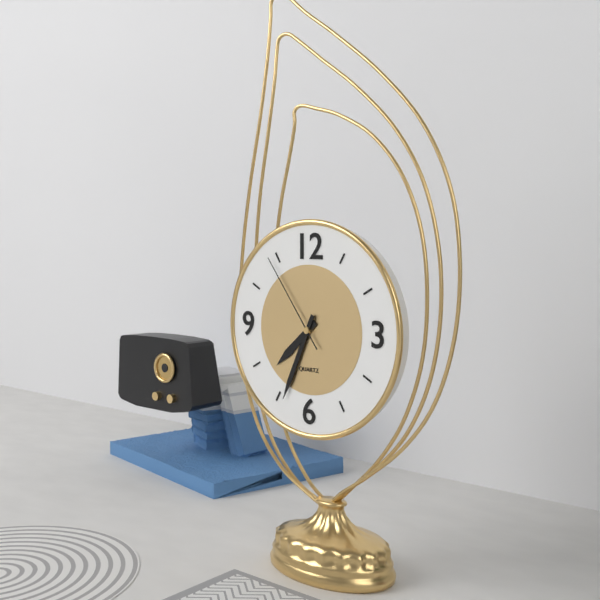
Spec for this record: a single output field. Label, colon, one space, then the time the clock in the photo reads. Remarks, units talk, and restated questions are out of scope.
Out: 7:34:54
